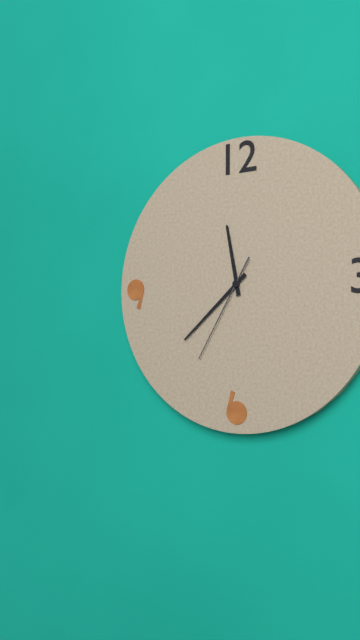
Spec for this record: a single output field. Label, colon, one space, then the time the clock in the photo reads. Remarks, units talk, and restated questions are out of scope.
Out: 11:38:35
